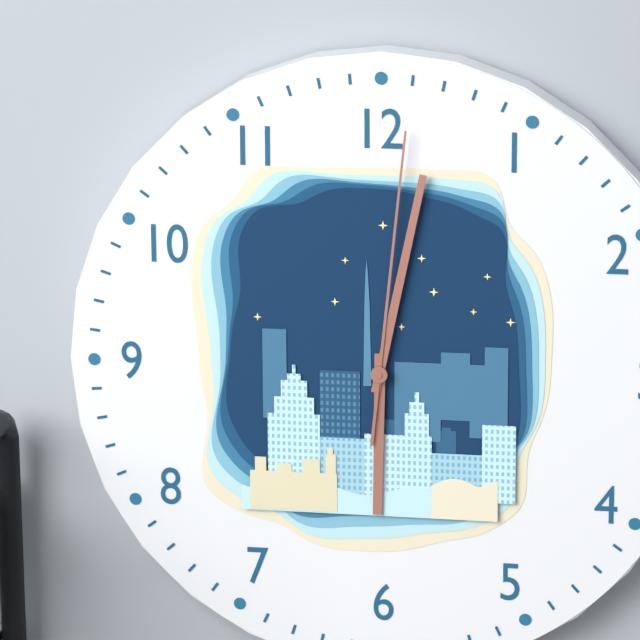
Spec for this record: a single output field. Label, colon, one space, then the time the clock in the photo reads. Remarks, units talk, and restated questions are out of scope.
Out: 6:02:01
